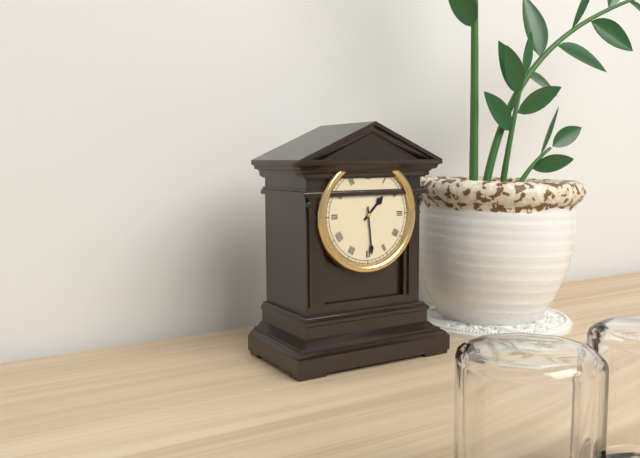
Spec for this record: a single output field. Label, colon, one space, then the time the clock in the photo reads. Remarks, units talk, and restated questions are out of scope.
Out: 1:29
